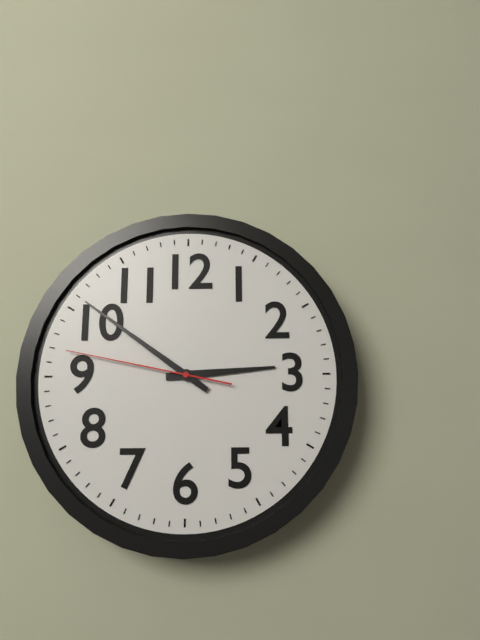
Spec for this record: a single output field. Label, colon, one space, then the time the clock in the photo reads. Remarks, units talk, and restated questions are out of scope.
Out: 2:51:47
